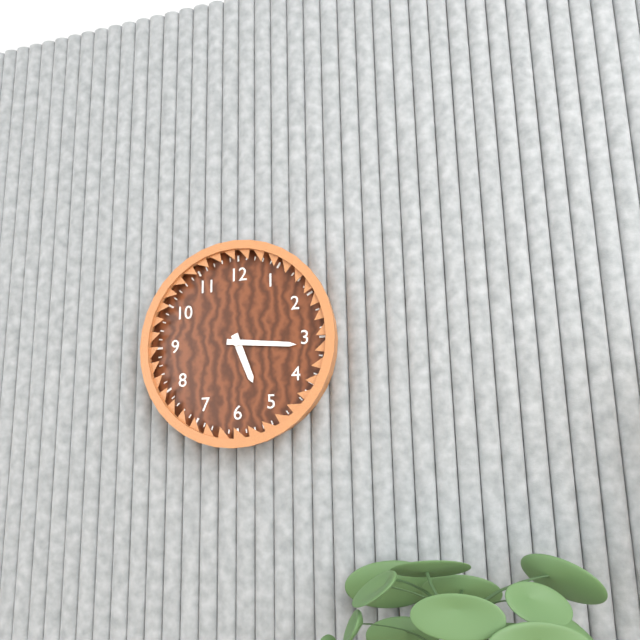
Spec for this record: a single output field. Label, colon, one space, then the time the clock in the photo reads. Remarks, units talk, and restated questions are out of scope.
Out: 5:16
